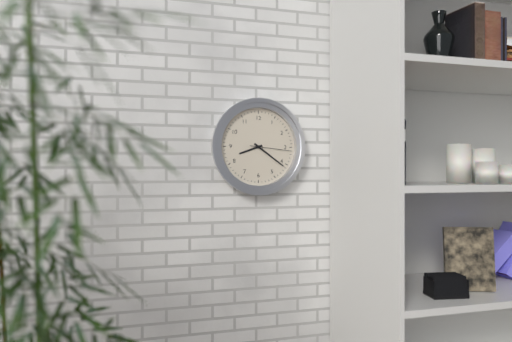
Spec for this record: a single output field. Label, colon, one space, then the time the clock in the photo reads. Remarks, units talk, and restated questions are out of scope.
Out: 8:21
